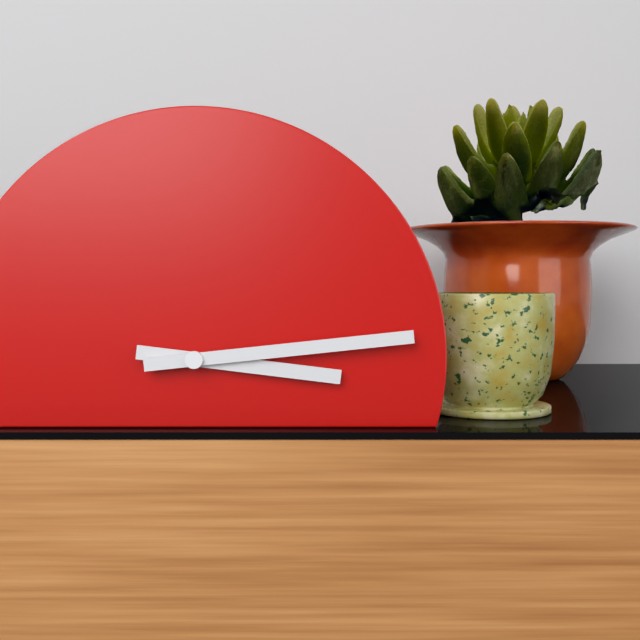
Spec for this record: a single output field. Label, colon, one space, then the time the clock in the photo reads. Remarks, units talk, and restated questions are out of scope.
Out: 3:14
